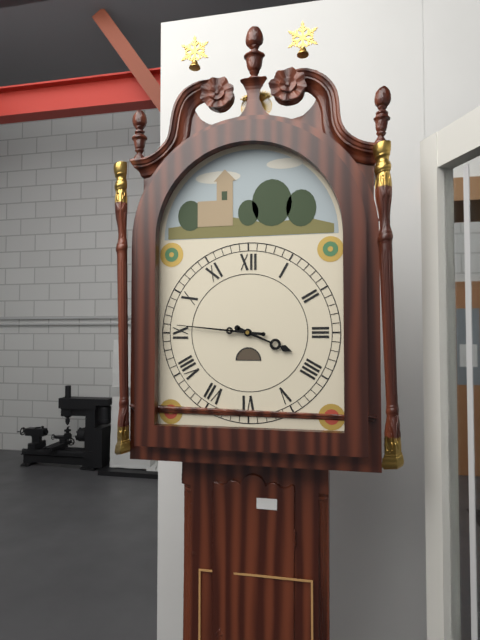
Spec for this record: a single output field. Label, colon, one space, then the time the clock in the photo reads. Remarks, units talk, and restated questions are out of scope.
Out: 3:46
